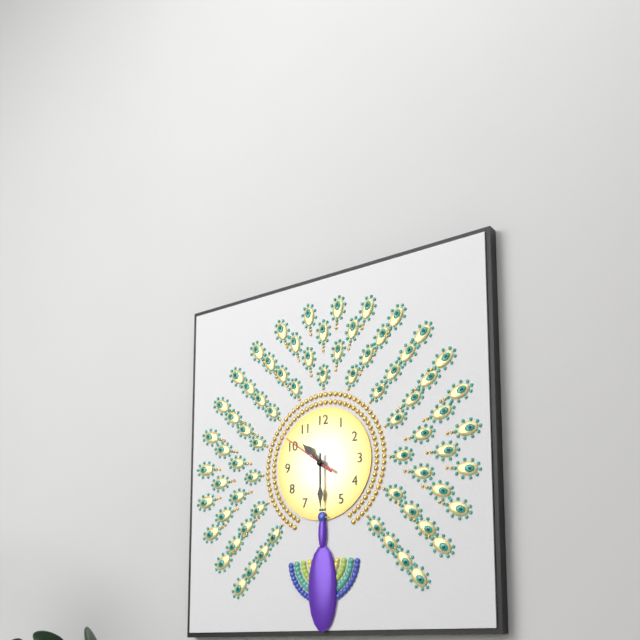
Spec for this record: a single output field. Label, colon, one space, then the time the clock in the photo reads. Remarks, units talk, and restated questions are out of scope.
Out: 10:30:51
